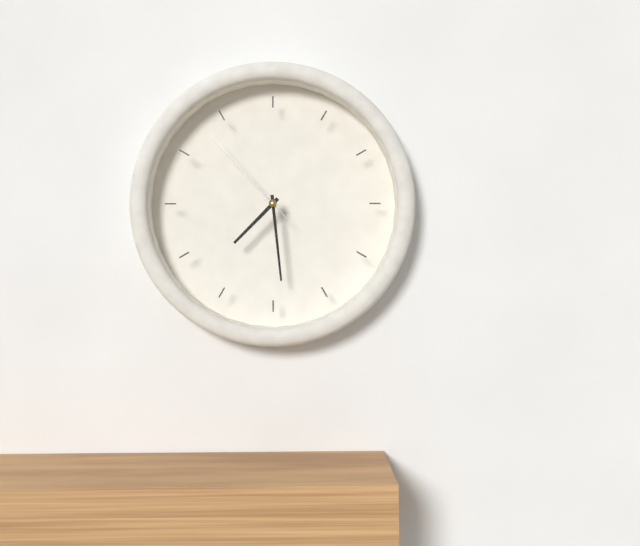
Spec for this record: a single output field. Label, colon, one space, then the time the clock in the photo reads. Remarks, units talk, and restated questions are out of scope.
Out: 7:29:53
